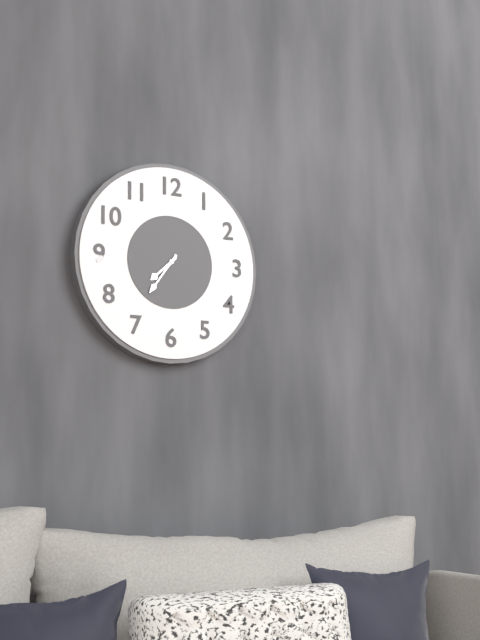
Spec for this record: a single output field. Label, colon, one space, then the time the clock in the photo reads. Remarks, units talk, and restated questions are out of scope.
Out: 7:36
